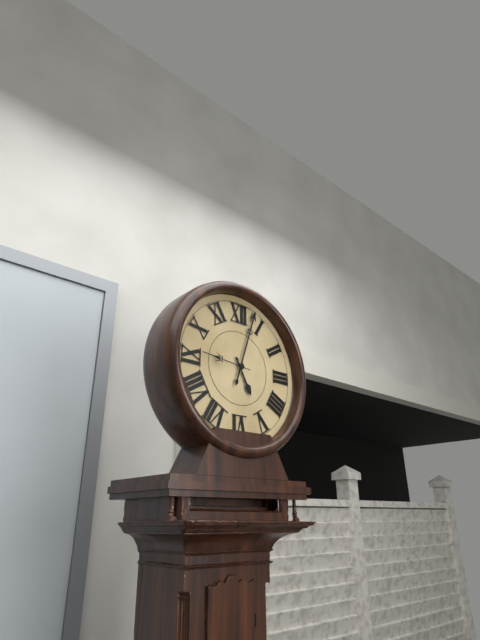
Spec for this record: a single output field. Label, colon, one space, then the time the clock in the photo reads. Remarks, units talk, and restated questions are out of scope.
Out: 5:03
